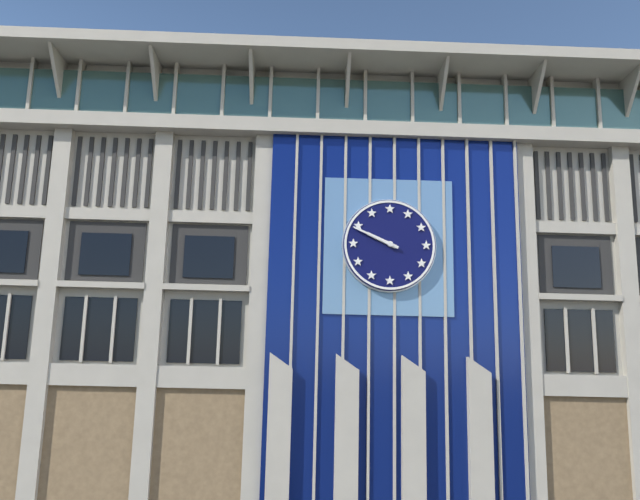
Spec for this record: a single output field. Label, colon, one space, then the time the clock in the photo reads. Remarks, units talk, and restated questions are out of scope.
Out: 9:49
